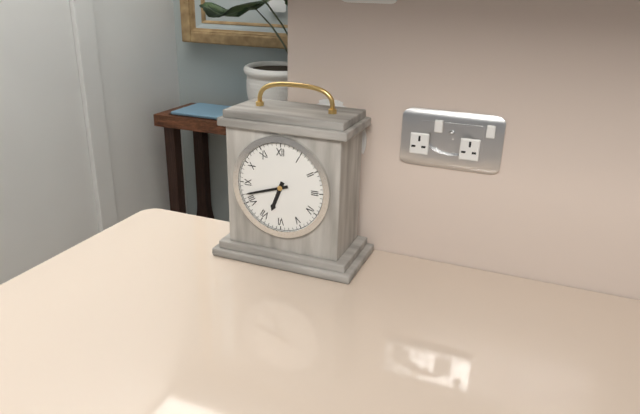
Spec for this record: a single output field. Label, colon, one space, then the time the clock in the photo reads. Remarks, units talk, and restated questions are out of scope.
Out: 6:42
